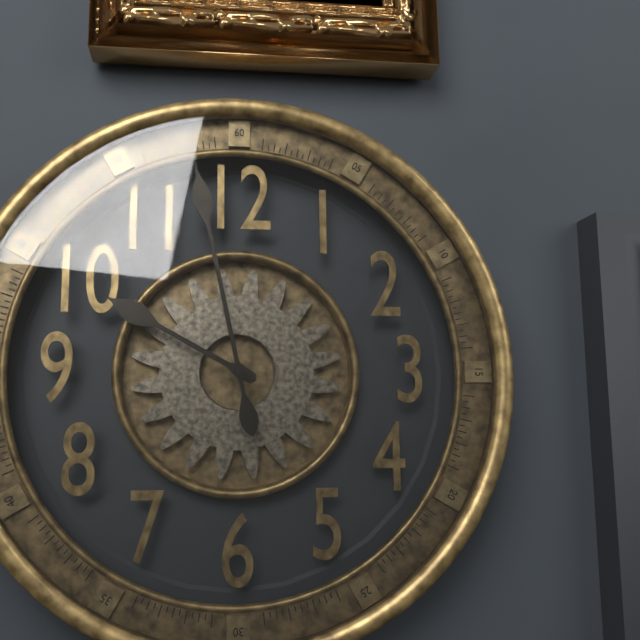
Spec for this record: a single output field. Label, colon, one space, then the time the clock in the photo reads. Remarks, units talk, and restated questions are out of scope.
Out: 9:58
